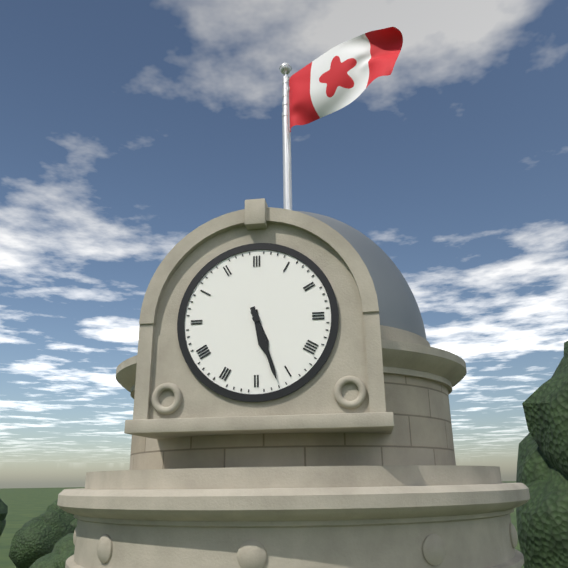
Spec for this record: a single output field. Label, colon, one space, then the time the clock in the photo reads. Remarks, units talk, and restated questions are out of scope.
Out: 5:27
